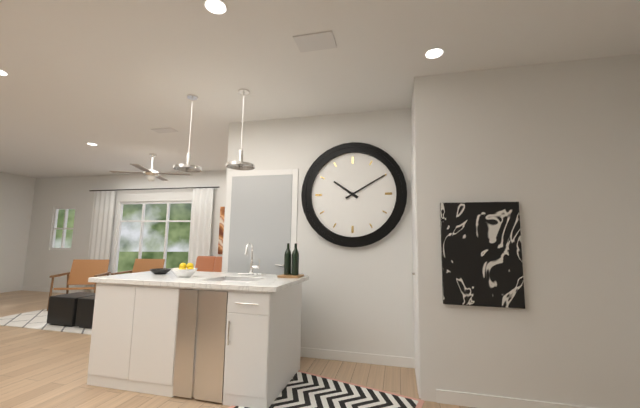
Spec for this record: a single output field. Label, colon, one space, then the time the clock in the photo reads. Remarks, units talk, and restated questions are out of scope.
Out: 10:10
